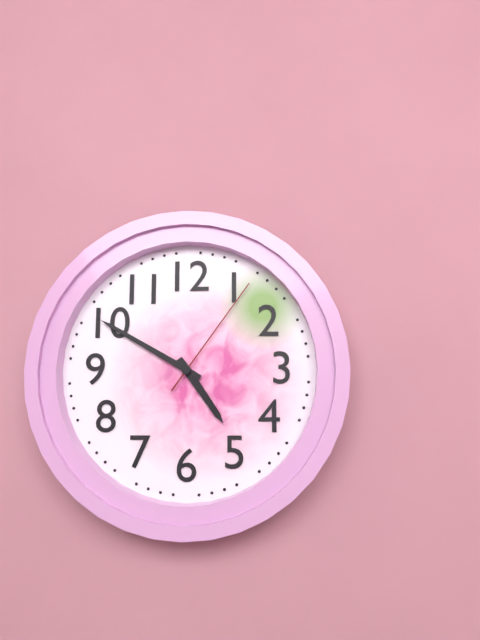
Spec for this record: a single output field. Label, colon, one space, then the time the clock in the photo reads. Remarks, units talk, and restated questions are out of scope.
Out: 4:50:06
